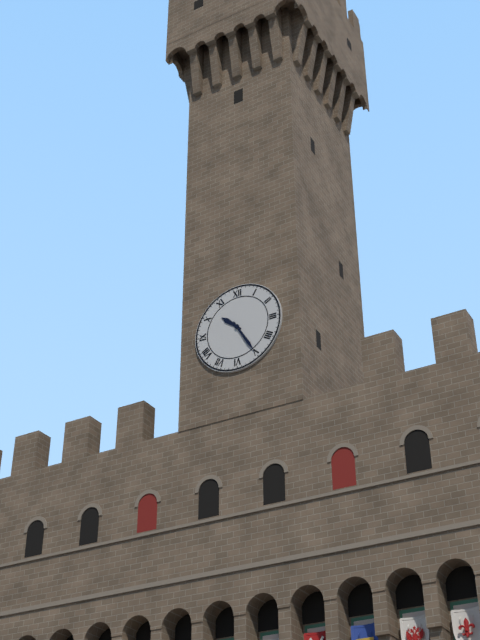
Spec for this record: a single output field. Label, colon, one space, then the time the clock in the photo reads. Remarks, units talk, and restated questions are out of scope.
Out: 10:25
